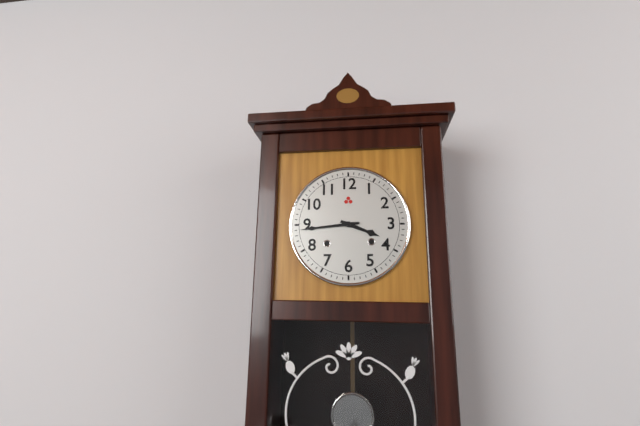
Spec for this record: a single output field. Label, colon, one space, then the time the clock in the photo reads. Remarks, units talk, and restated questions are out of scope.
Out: 3:44
